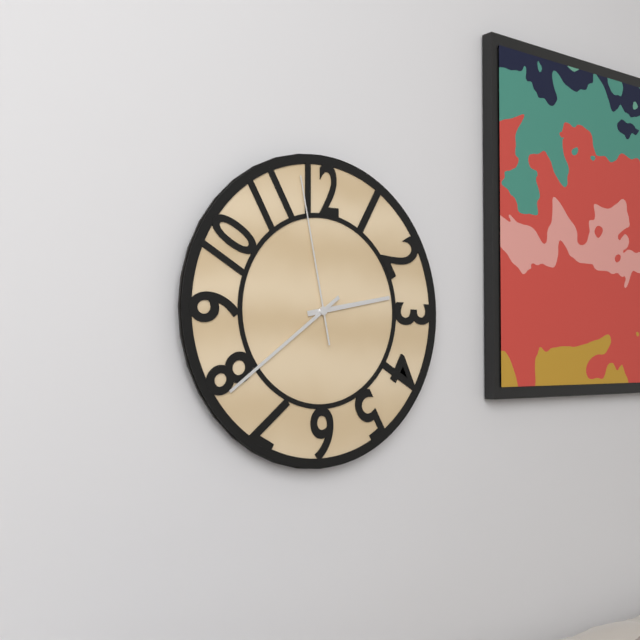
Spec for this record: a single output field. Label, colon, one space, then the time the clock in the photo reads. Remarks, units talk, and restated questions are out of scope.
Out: 2:39:58
